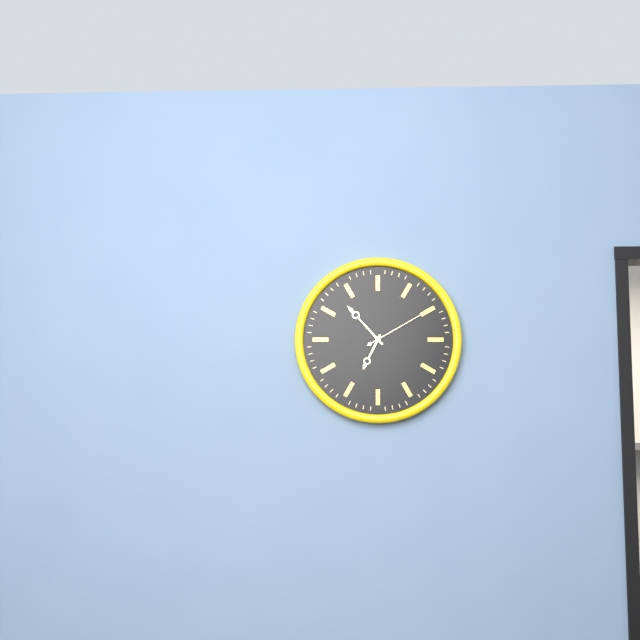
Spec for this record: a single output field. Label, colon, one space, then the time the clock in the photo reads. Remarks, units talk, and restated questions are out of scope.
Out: 6:53:10
